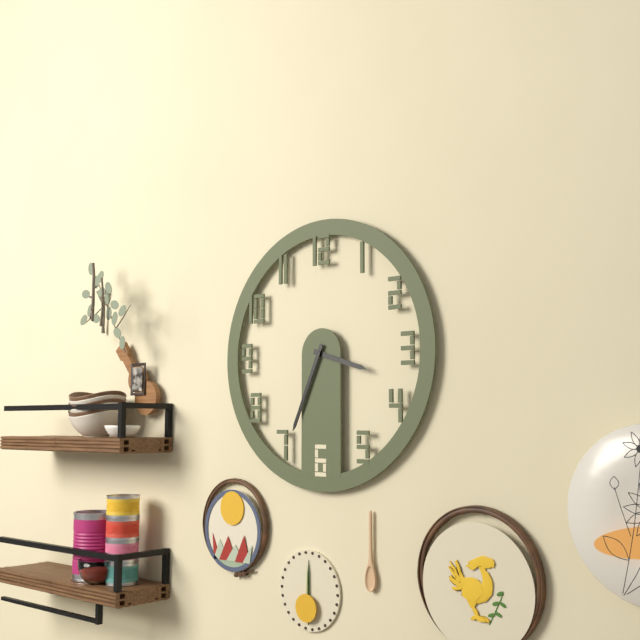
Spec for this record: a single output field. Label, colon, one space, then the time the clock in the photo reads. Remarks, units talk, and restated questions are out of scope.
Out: 3:34
